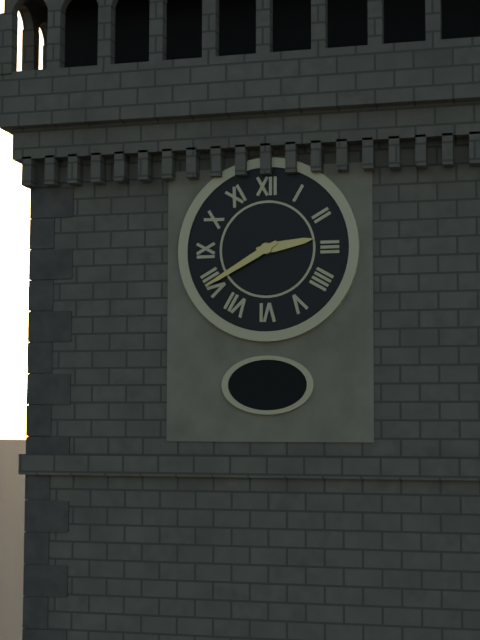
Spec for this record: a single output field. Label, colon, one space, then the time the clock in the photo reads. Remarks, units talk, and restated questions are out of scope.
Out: 2:40
